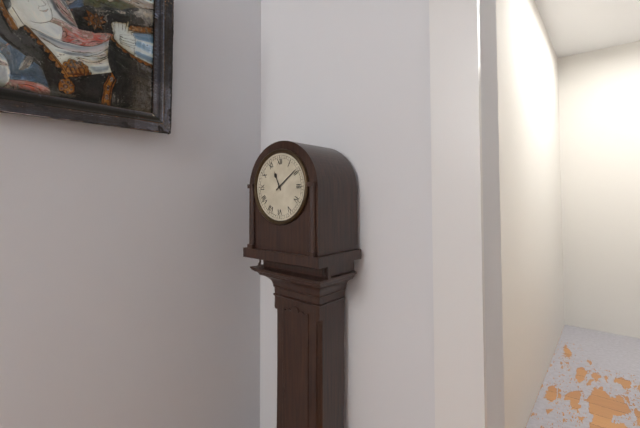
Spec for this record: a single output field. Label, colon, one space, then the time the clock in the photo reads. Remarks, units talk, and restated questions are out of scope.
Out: 11:09
